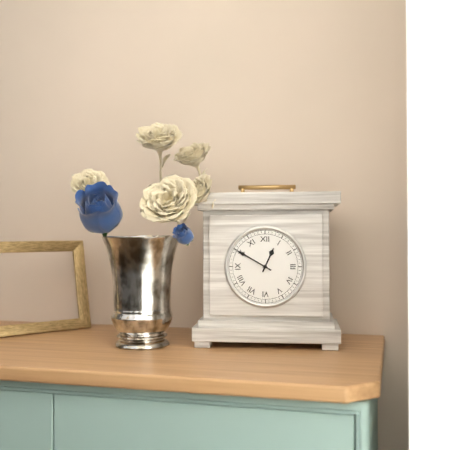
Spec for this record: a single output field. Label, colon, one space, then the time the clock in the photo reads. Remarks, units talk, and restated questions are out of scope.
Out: 12:50
